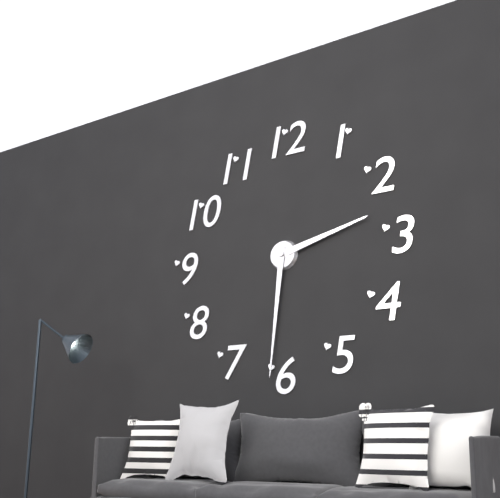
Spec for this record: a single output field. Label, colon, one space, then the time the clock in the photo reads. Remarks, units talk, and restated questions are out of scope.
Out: 2:31
